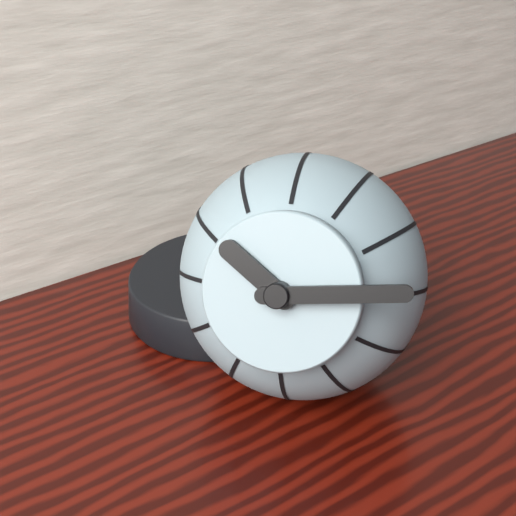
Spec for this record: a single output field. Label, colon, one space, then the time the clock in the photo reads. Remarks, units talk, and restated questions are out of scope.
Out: 10:14
